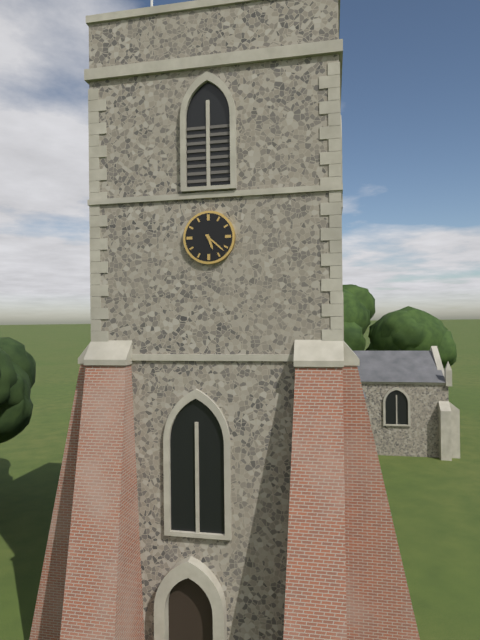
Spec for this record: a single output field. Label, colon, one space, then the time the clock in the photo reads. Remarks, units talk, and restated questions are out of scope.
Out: 5:22
